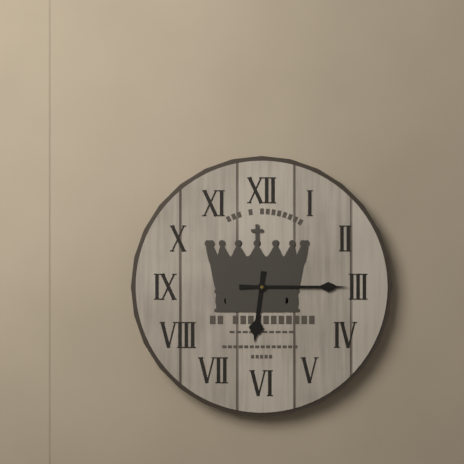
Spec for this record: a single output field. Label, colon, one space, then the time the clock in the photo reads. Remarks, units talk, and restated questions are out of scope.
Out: 6:15
